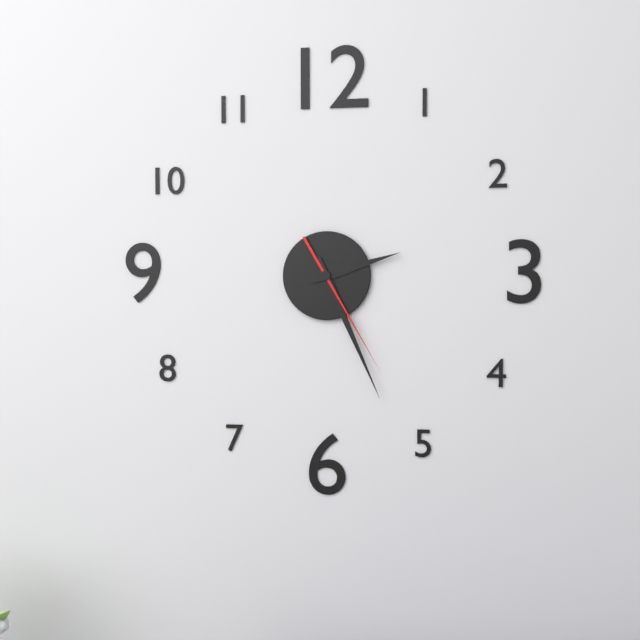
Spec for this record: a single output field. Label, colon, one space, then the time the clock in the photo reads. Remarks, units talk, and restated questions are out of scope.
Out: 2:26:25
